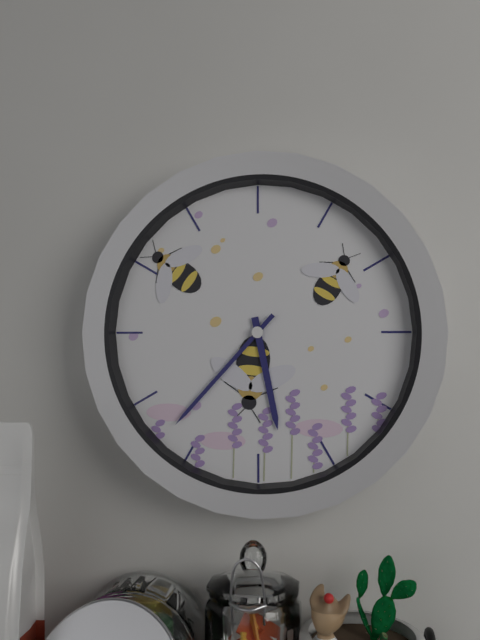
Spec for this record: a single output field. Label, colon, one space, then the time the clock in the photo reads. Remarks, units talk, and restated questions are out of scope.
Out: 5:37
